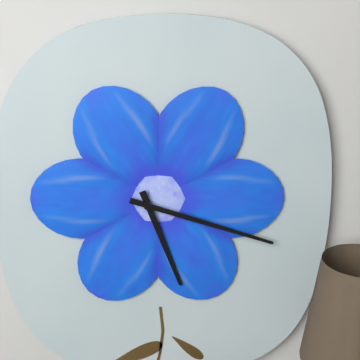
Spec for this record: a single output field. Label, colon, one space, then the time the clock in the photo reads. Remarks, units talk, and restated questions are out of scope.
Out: 5:18
